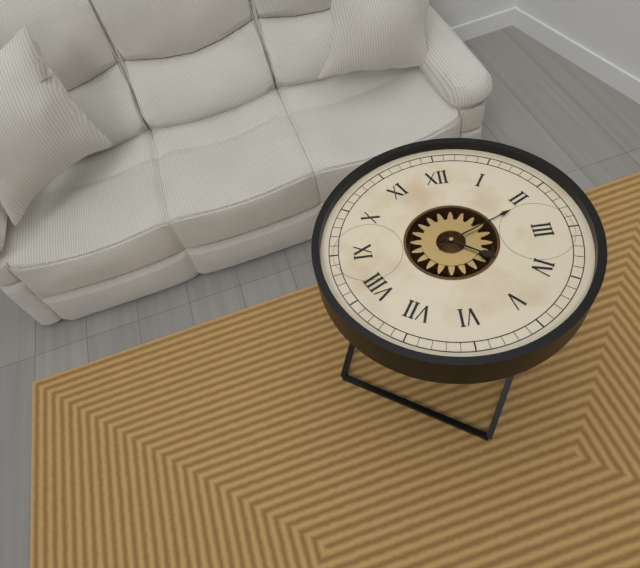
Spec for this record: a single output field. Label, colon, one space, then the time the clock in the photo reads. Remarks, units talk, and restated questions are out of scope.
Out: 4:11
